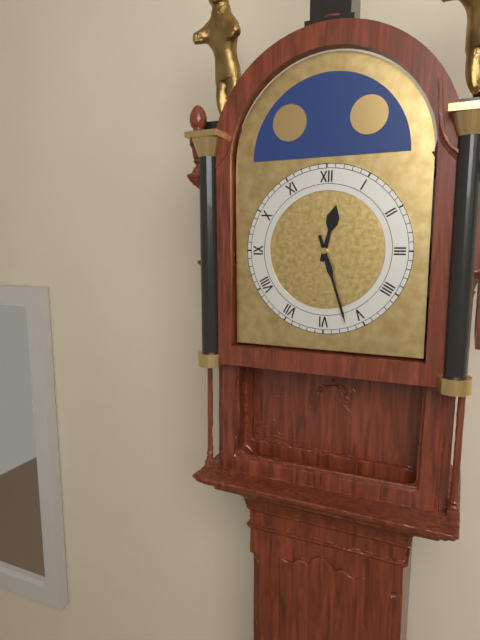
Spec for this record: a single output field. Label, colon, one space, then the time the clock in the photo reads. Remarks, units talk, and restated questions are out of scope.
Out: 12:27
